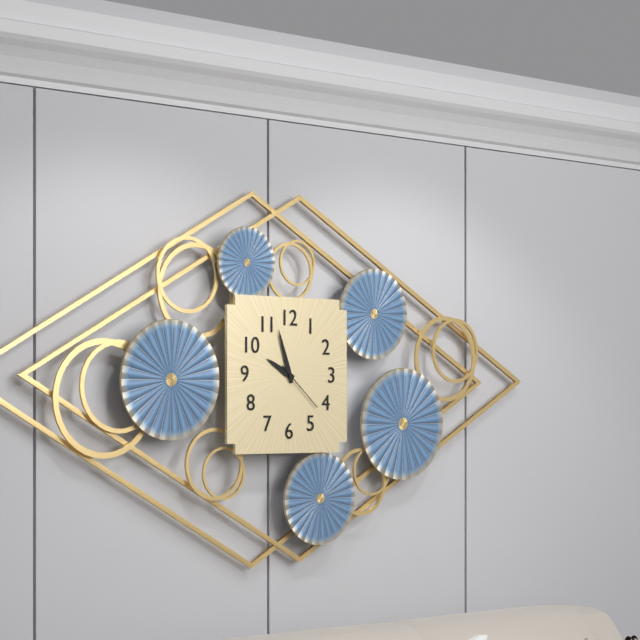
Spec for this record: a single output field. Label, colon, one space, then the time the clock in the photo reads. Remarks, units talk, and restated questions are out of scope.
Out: 9:57:22
